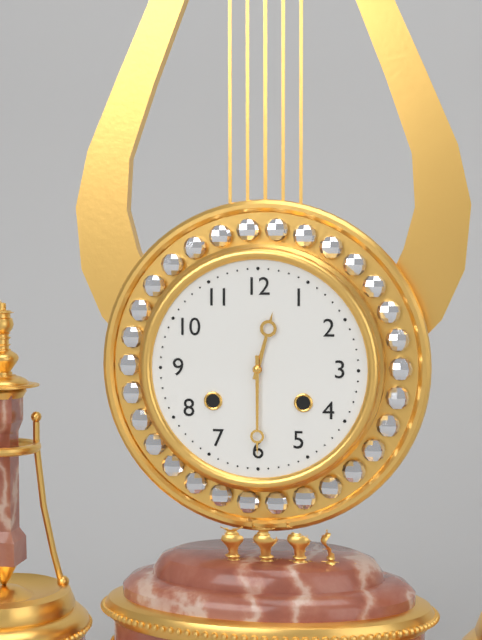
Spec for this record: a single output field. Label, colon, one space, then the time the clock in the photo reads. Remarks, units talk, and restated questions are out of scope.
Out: 12:30
